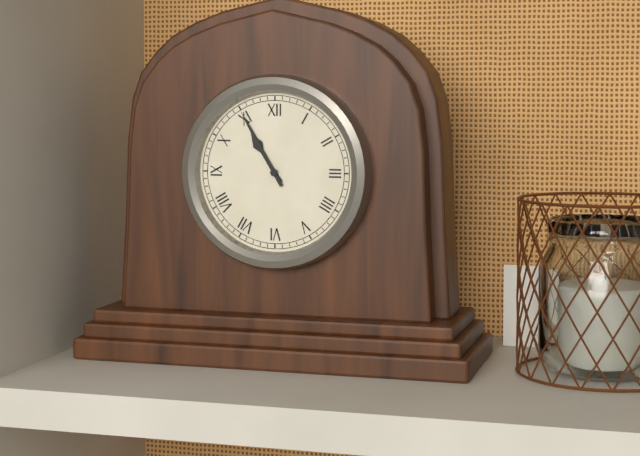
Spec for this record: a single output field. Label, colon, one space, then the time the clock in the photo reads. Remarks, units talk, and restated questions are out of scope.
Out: 10:55
